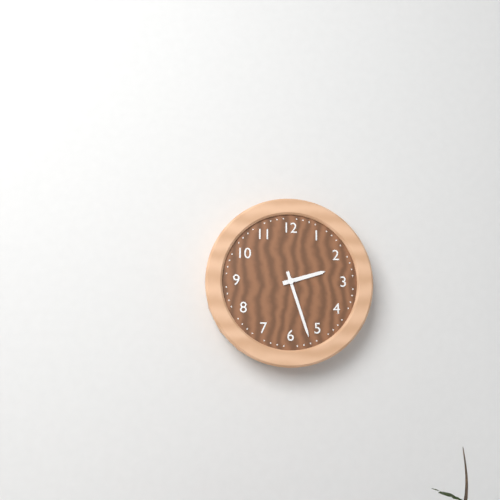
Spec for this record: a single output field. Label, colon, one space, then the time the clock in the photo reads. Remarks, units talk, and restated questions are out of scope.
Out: 2:27
